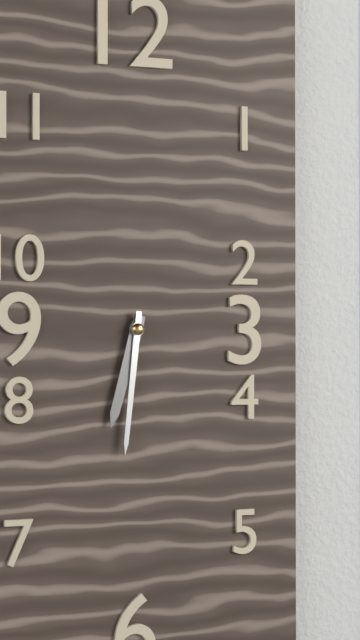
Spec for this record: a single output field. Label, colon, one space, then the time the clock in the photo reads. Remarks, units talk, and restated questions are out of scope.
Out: 6:31
